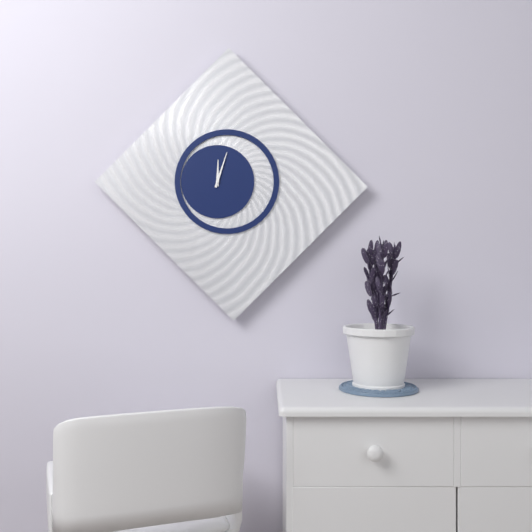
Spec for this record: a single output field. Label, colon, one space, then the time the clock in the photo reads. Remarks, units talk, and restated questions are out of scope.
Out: 12:03
